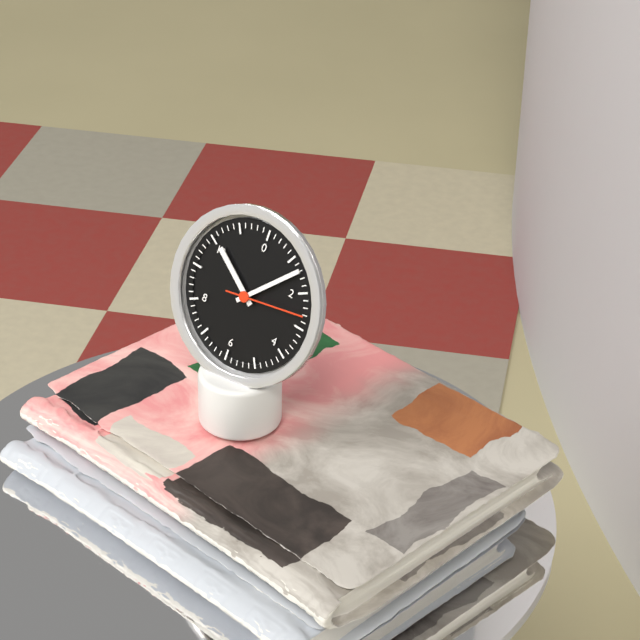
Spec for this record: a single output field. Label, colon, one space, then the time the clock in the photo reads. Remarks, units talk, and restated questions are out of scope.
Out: 10:07:13
